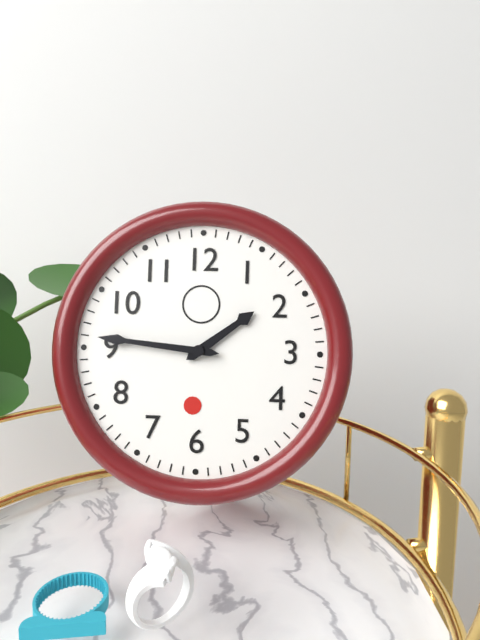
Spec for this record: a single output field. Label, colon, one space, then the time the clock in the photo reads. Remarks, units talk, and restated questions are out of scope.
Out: 1:46
